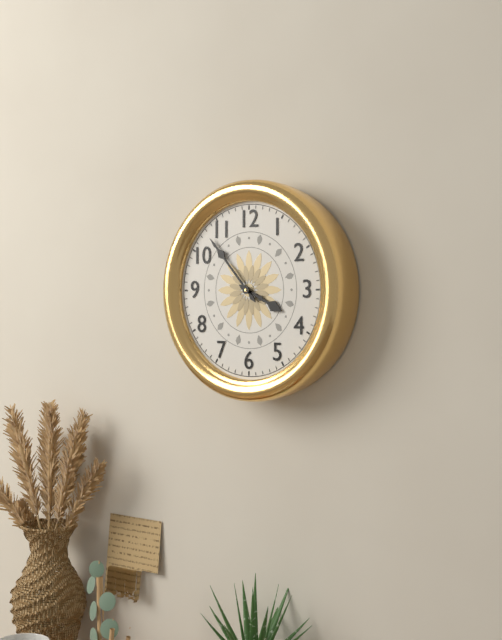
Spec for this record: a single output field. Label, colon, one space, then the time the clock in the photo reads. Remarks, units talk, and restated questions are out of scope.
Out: 3:53
